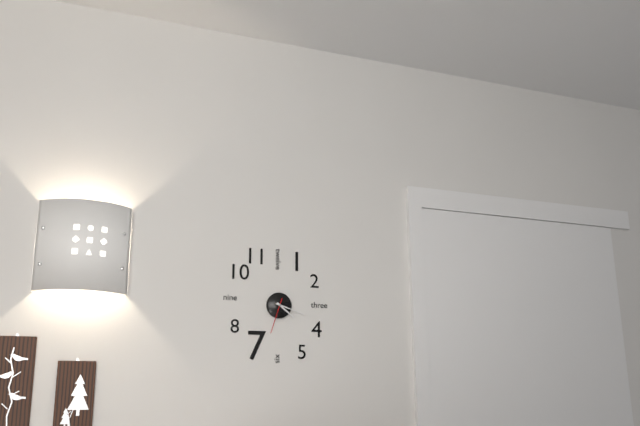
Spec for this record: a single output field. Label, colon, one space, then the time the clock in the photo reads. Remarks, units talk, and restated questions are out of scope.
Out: 4:18
